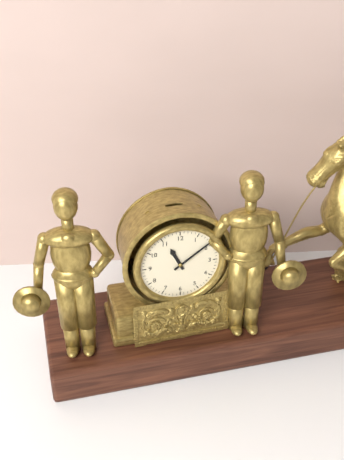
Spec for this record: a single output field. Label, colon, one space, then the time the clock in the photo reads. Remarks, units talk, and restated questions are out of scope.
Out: 11:09
